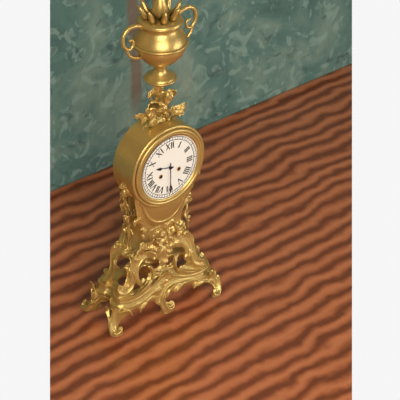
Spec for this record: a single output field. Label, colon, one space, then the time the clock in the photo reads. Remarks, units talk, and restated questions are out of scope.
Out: 9:30
